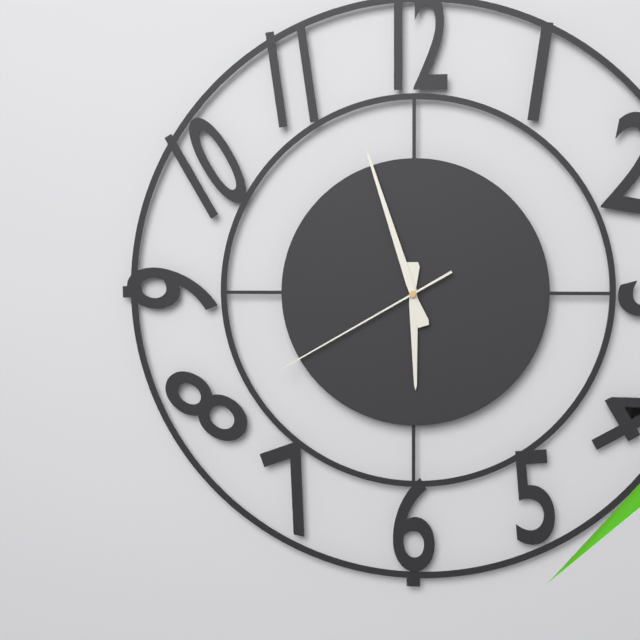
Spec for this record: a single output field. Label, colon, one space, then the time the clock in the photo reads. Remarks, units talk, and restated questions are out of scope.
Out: 5:57:40
